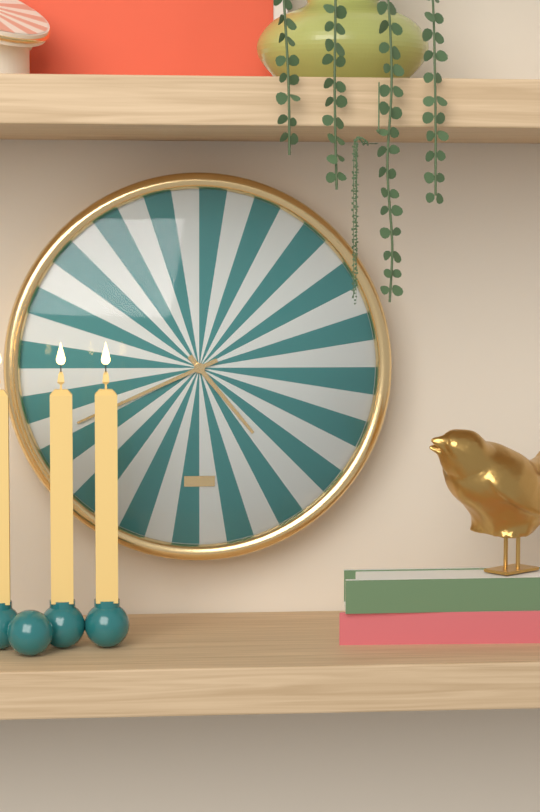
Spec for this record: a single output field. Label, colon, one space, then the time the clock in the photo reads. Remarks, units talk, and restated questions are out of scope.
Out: 4:41
